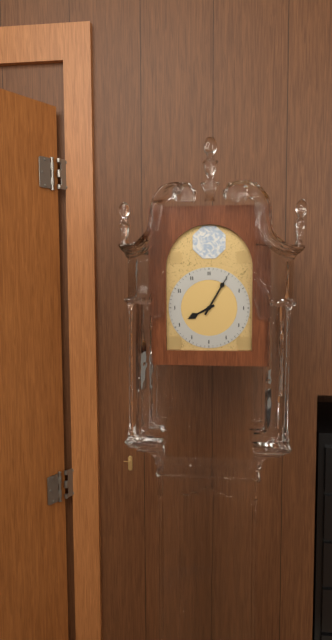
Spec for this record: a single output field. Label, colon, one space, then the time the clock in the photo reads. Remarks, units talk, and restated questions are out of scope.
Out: 8:05
